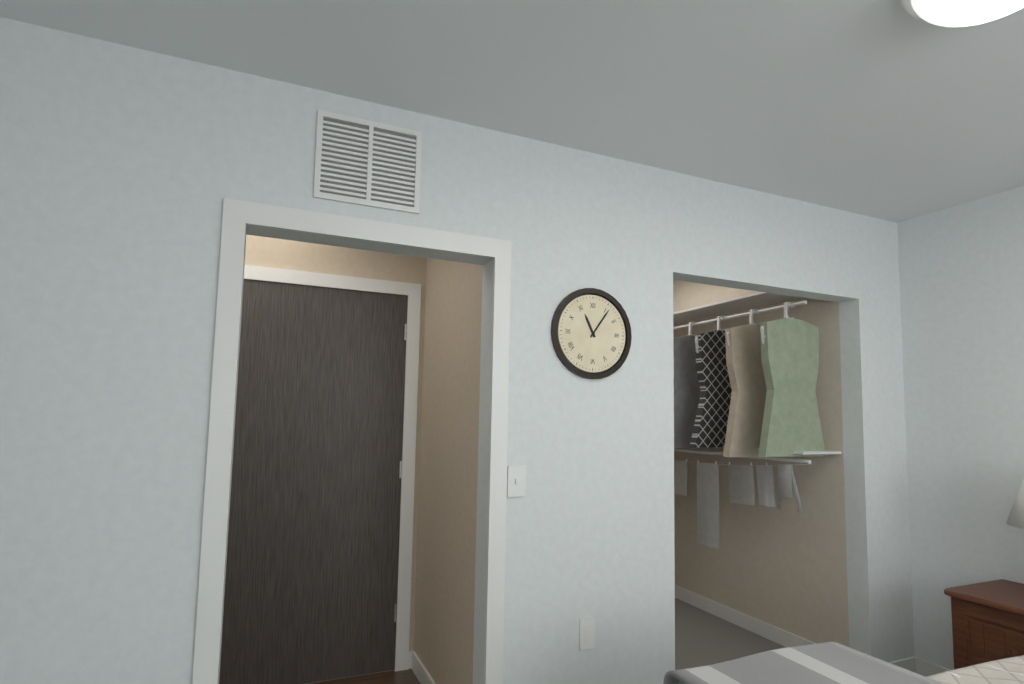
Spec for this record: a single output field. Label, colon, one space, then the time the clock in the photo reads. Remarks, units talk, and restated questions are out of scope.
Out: 11:06
